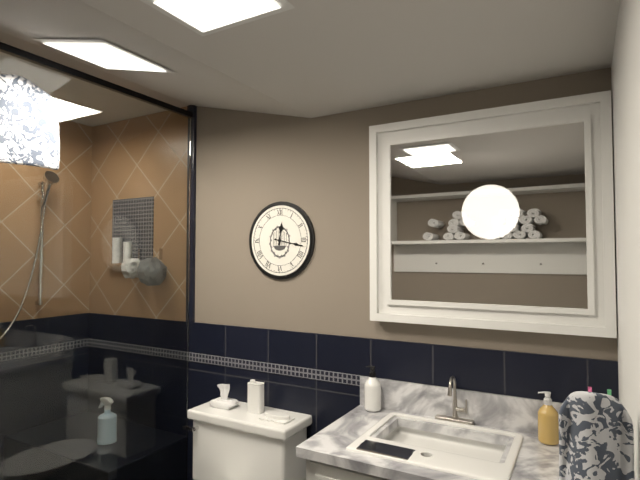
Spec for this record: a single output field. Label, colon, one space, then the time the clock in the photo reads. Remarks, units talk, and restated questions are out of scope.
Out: 12:17
